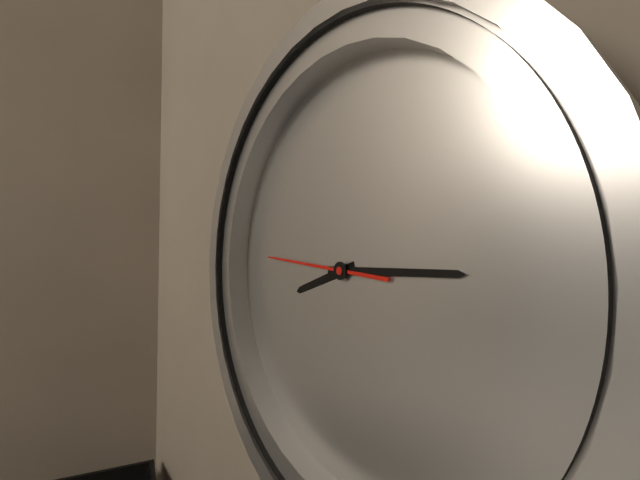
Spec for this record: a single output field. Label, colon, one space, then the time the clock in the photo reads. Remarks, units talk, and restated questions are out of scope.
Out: 8:14:45
